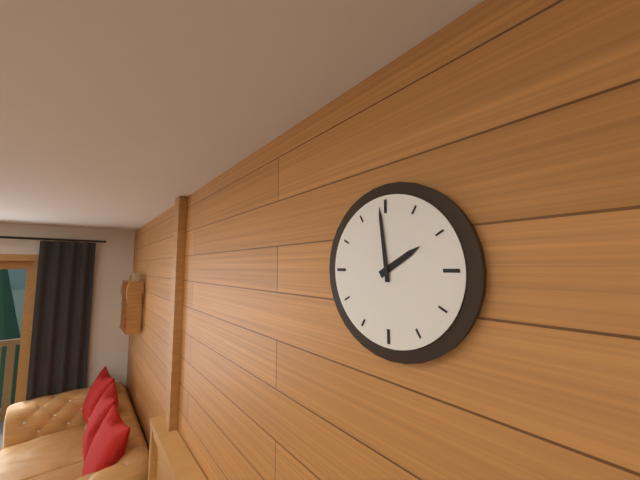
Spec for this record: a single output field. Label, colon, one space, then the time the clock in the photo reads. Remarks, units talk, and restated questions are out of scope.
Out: 1:59
